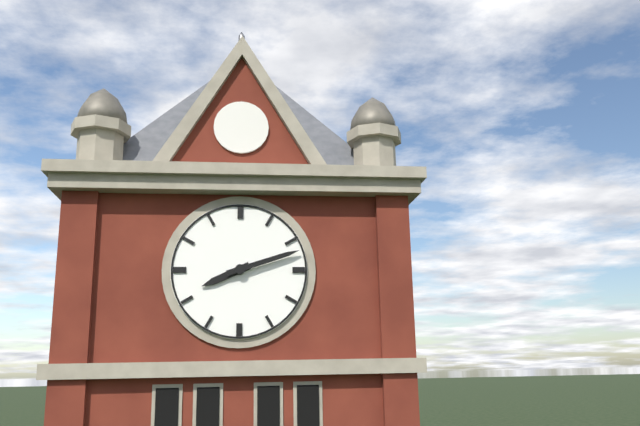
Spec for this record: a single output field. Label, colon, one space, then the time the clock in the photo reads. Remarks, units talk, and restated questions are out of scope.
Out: 8:12
